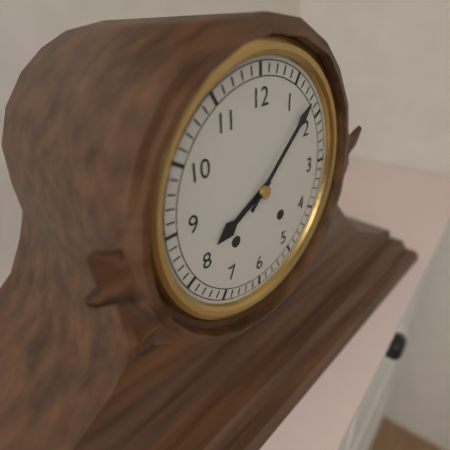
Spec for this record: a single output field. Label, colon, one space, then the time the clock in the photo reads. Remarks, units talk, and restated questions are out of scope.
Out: 8:08
